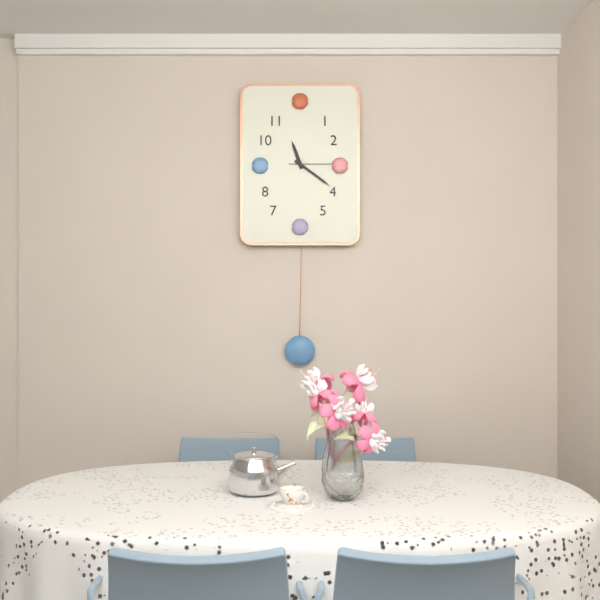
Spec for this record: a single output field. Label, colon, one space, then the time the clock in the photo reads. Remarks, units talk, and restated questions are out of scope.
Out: 11:21:15
